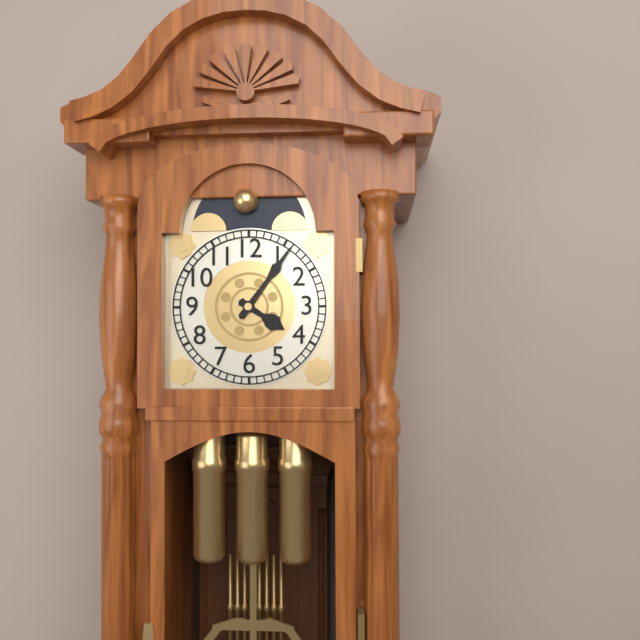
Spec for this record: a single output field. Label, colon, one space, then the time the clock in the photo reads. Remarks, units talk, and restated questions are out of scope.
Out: 4:06
